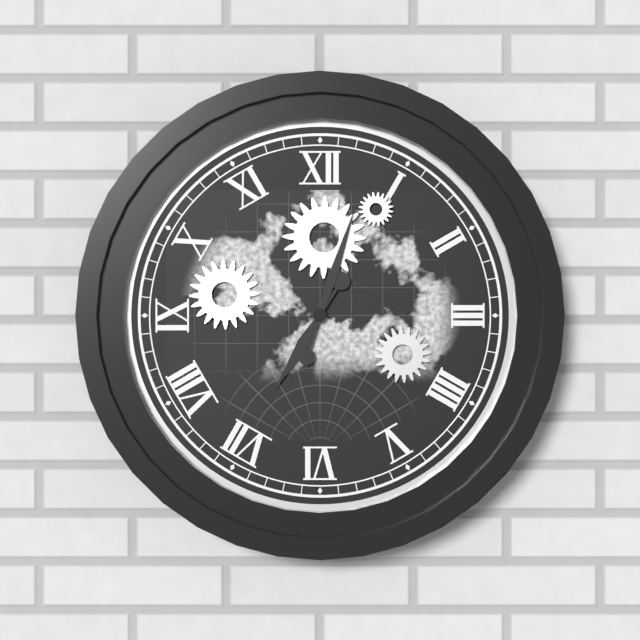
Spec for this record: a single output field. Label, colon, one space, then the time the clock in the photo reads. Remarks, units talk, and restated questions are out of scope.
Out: 7:03
